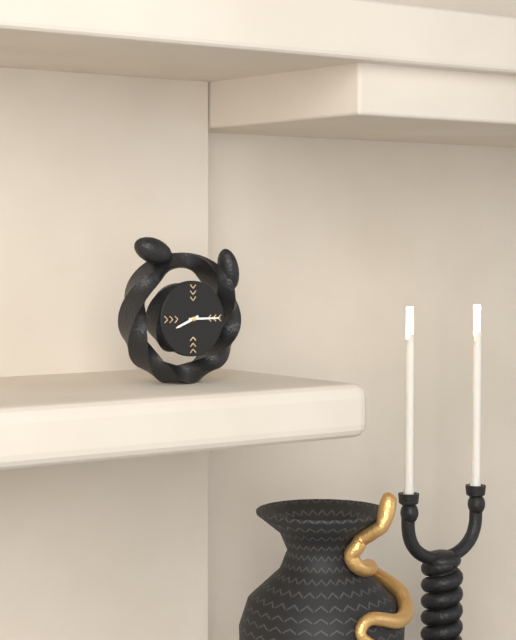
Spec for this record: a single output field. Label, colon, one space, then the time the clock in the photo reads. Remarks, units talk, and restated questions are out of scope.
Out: 8:15
